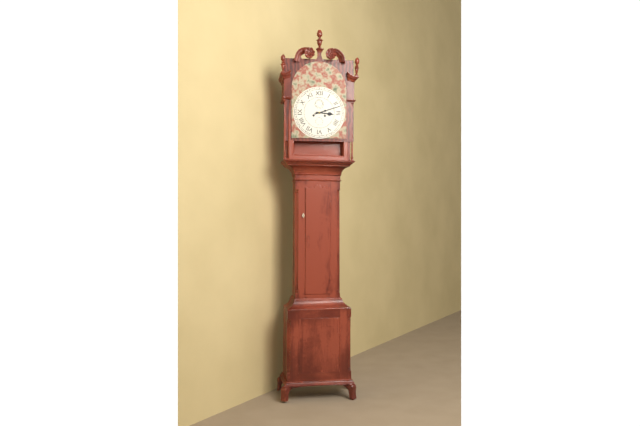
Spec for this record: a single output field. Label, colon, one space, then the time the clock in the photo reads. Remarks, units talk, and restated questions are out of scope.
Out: 3:12
